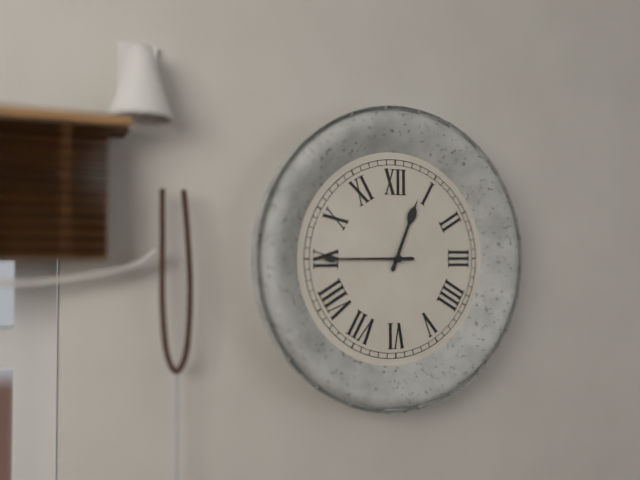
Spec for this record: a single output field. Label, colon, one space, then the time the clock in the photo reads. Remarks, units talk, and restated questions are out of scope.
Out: 12:45
